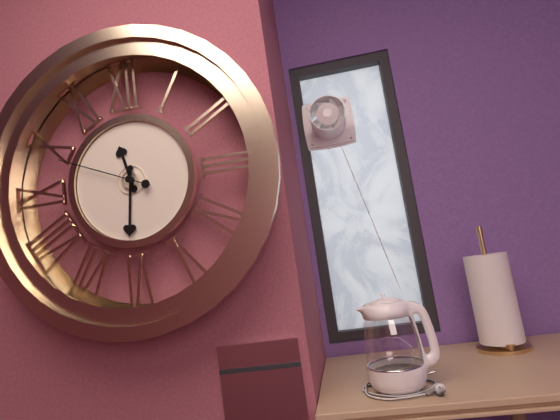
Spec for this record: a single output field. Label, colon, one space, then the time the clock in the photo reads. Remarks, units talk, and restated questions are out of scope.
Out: 11:31:49
